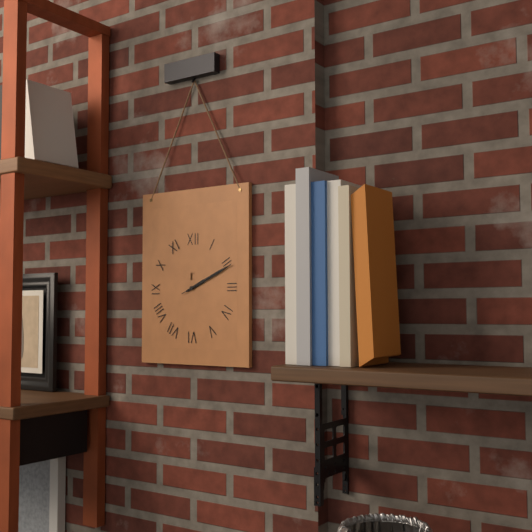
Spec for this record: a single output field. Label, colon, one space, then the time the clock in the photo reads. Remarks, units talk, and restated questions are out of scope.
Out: 2:11:11
